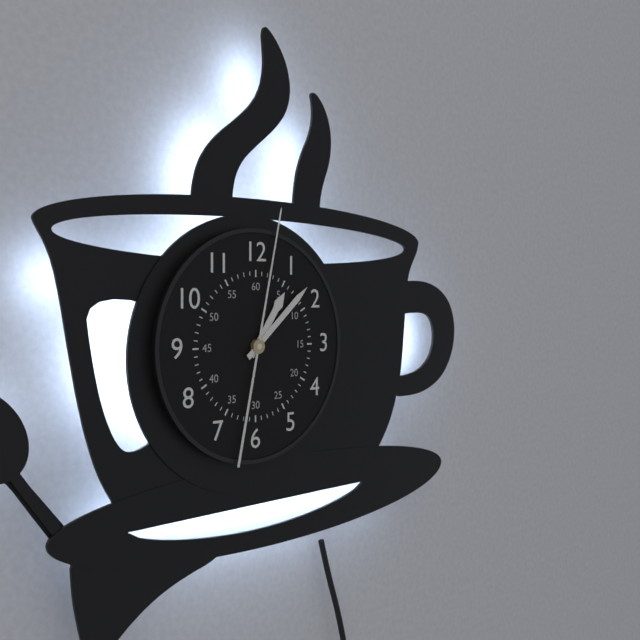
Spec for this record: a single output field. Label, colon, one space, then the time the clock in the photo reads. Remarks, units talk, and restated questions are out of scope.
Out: 1:08:02
